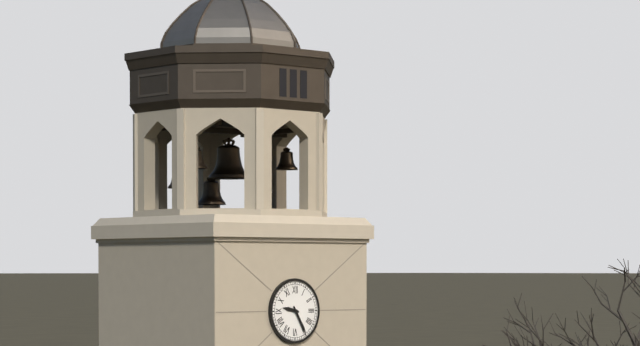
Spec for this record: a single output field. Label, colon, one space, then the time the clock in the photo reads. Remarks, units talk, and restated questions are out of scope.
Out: 9:25
